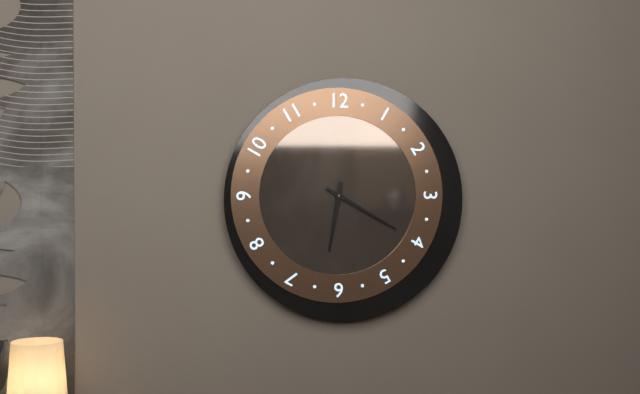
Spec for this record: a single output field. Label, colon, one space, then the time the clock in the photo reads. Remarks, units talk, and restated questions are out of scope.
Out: 6:20
